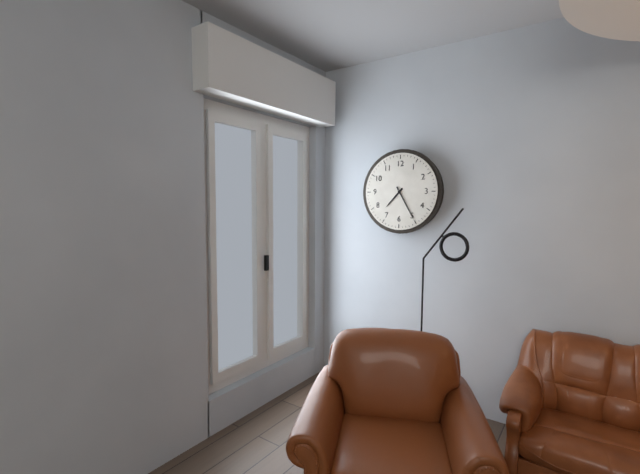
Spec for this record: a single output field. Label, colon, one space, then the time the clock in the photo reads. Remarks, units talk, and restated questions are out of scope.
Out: 7:25
